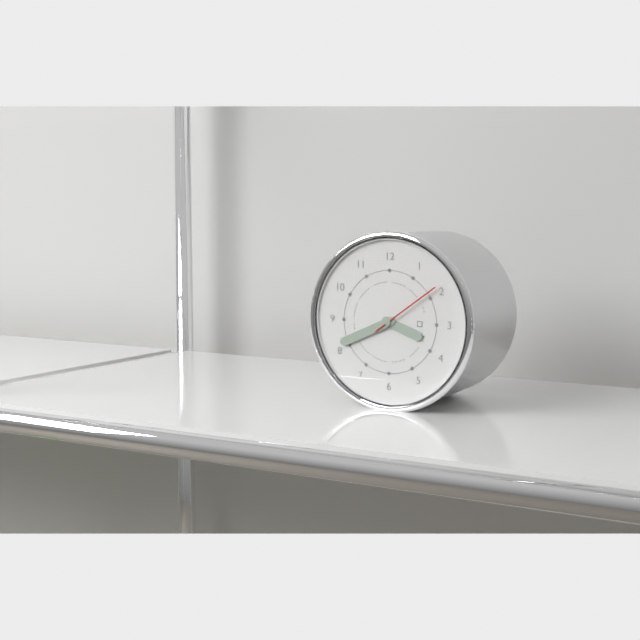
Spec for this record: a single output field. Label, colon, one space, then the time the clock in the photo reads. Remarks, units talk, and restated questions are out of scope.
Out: 3:41:09
